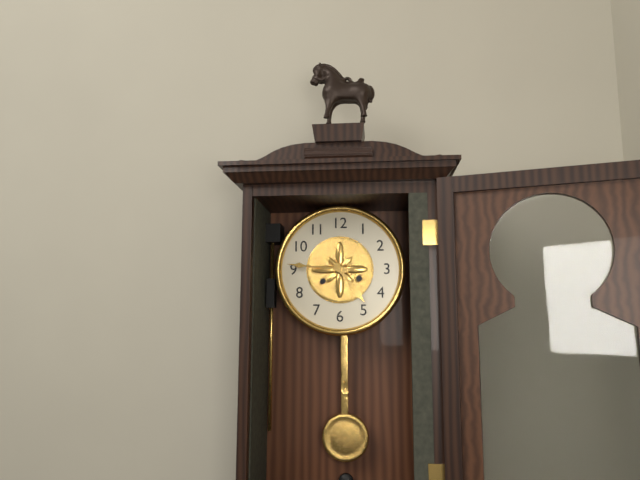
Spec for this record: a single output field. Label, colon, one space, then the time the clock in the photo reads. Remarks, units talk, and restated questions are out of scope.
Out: 4:46
